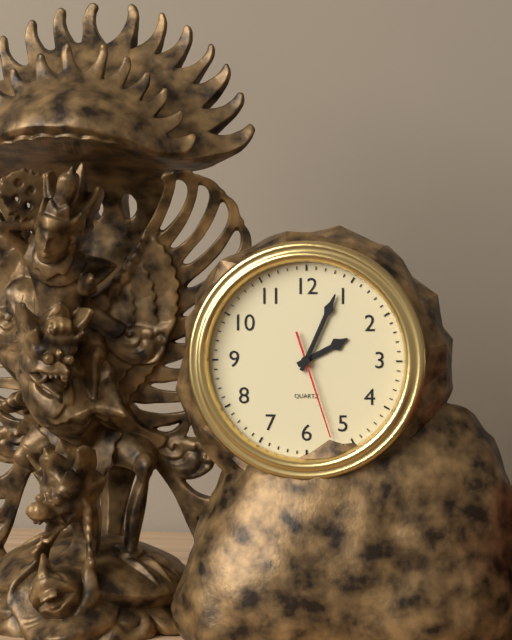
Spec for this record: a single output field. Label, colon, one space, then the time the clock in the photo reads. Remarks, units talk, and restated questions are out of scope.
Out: 2:04:27
